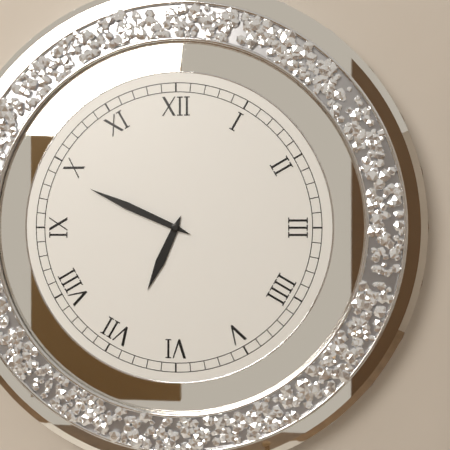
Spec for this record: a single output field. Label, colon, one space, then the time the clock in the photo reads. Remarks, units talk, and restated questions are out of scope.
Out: 6:49
